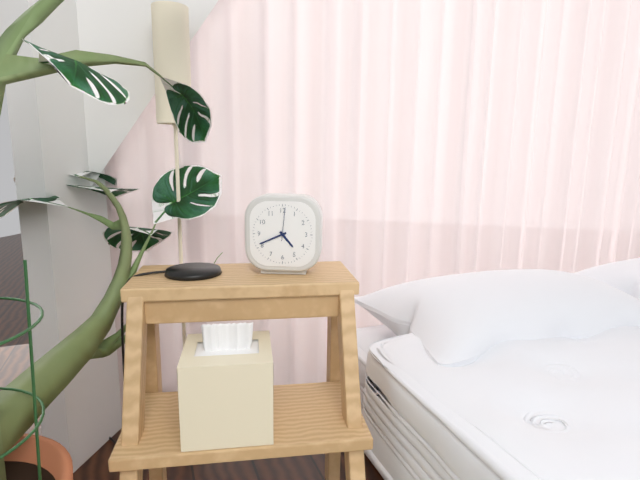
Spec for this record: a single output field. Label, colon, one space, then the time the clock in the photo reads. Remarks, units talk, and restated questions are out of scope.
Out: 4:41
